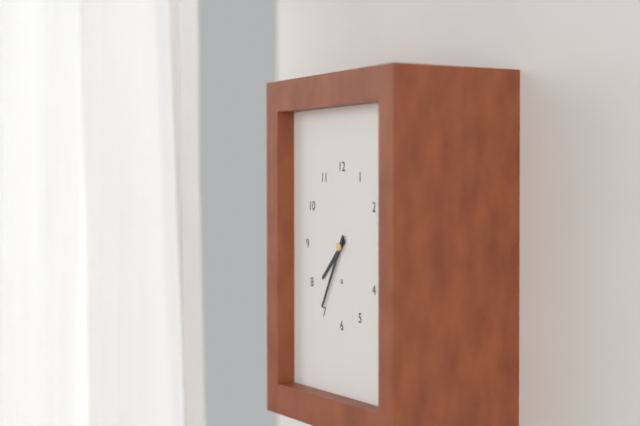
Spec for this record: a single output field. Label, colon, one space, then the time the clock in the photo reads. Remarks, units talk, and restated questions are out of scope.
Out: 7:35
